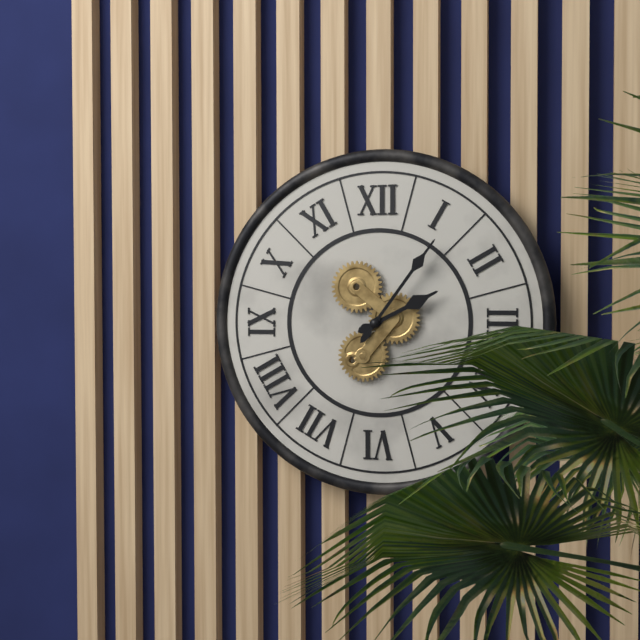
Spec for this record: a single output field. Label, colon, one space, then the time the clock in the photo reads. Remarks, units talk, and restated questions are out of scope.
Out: 2:06
